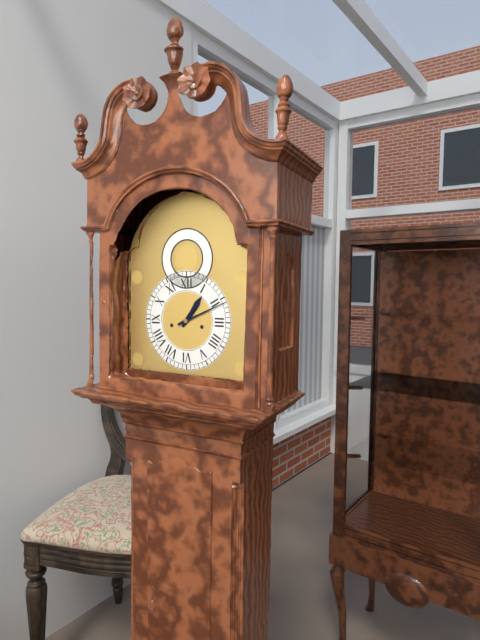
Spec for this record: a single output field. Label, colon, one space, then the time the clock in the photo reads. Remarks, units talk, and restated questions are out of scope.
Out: 1:11
